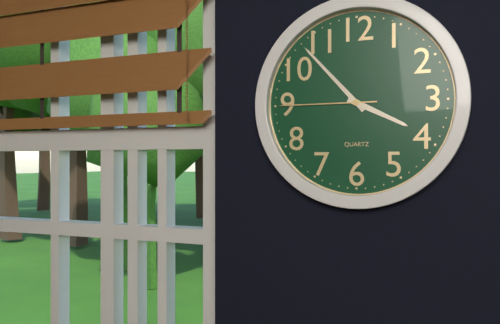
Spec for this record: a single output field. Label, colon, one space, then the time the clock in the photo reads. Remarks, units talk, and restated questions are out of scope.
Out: 3:53:45
